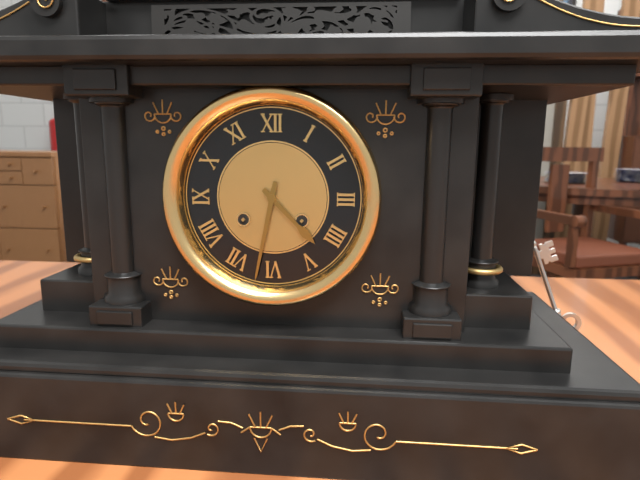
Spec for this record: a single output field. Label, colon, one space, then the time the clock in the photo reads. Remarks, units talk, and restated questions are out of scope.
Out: 4:32
